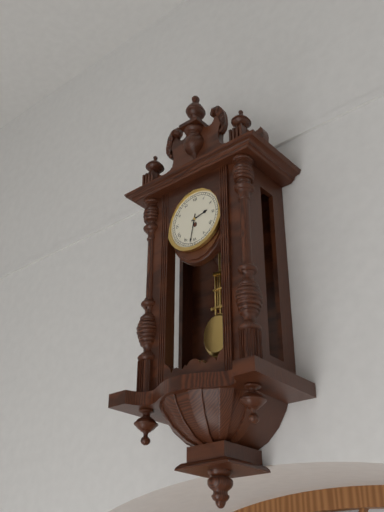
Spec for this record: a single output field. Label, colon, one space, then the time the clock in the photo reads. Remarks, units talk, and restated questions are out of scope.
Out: 2:32
